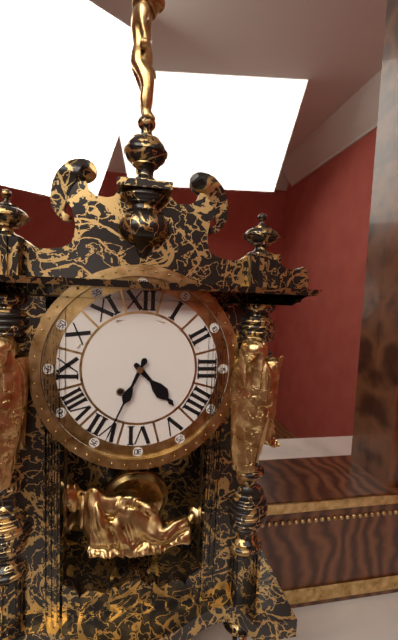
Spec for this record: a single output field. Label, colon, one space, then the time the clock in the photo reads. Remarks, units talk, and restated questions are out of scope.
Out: 4:34
